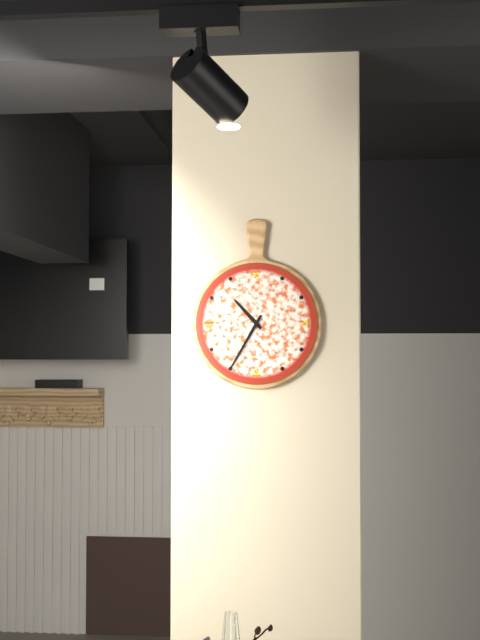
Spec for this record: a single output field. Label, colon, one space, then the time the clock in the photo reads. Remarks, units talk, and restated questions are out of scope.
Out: 10:35
